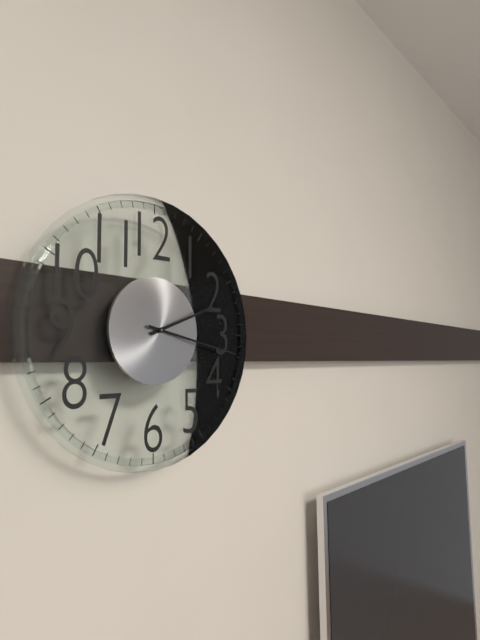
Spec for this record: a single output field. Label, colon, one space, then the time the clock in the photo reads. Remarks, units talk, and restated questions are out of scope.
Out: 2:17
